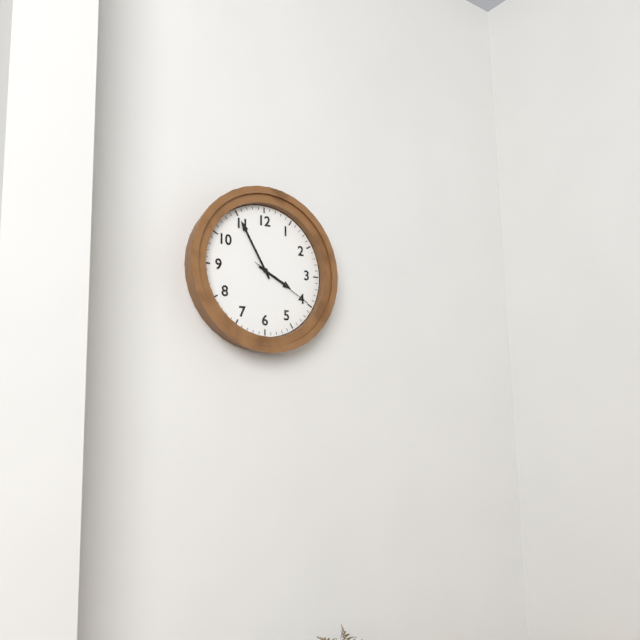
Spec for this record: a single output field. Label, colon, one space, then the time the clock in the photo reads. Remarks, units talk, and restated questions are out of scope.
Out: 3:55:20
